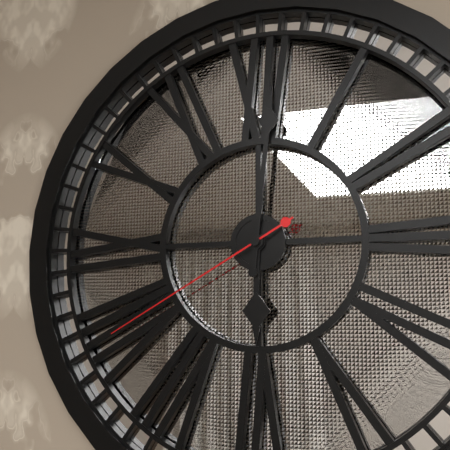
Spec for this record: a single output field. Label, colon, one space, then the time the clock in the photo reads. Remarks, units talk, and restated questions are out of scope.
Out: 6:01:40
